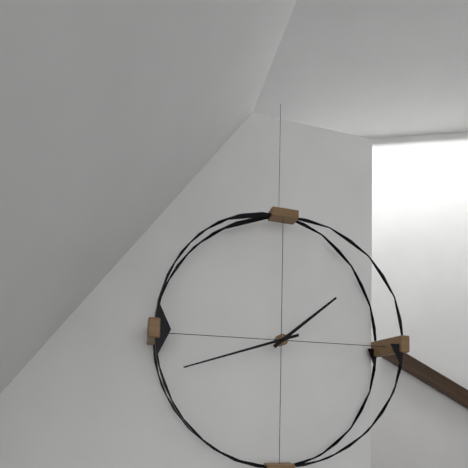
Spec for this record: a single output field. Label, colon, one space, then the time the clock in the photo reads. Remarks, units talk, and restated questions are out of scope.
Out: 1:42
